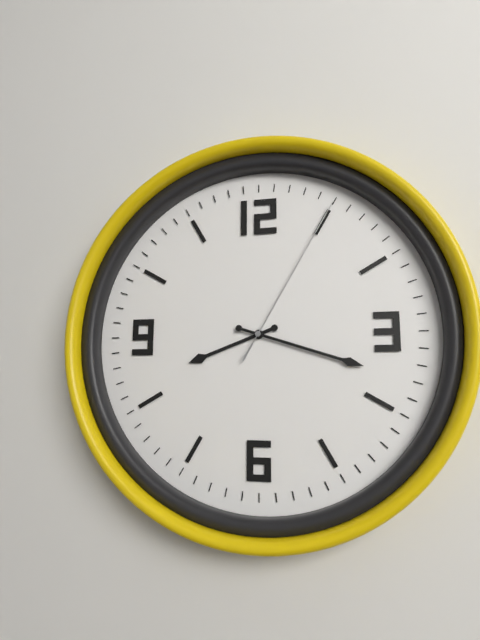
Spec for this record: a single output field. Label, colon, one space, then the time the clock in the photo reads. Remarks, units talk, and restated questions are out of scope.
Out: 8:18:05
